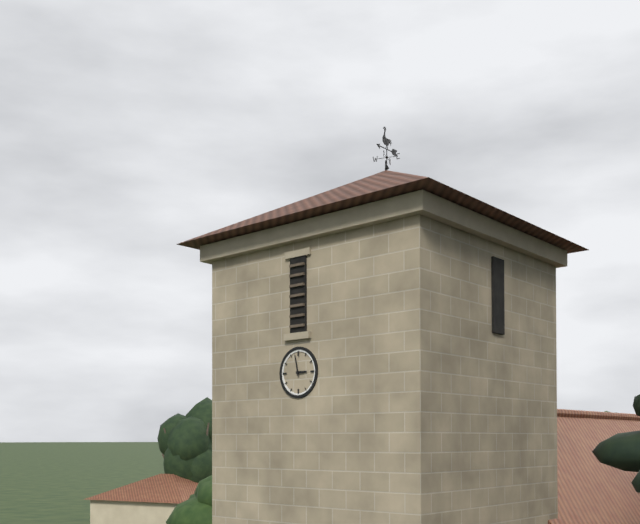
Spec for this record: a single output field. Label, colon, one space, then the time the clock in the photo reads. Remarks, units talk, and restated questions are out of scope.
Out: 2:58
